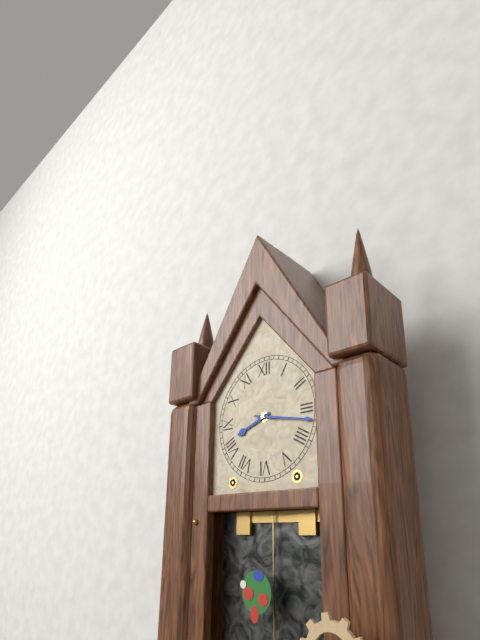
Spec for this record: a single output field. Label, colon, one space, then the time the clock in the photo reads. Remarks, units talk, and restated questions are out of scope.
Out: 8:17
